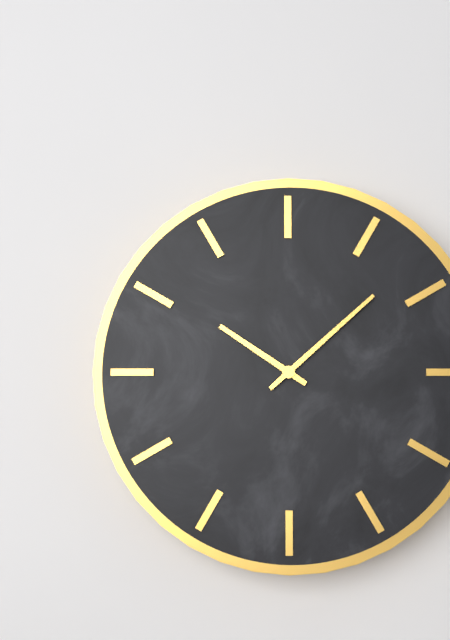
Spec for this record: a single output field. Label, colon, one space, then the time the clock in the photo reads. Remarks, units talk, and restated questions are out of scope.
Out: 10:08
